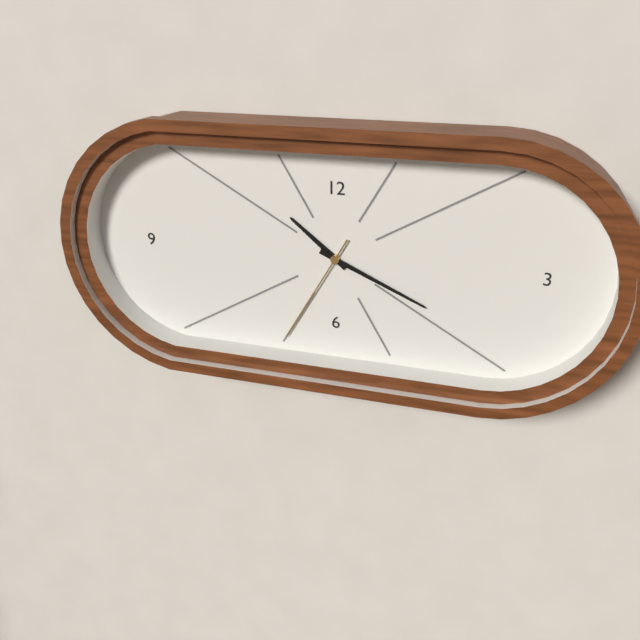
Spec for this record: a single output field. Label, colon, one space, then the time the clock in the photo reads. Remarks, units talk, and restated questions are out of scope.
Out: 10:19:35
